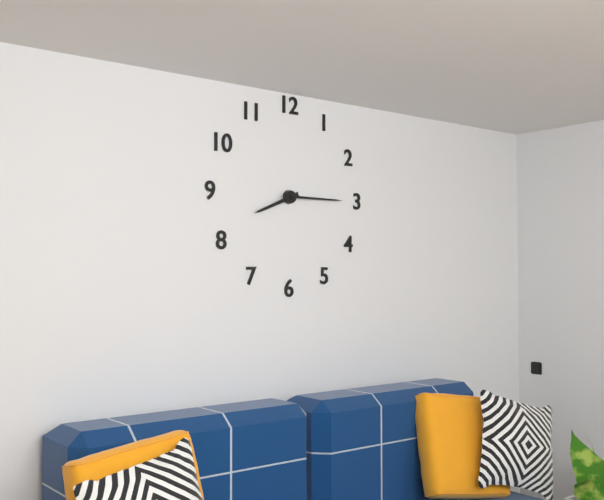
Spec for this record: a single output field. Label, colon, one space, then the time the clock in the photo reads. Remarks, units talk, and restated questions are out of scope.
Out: 8:15
